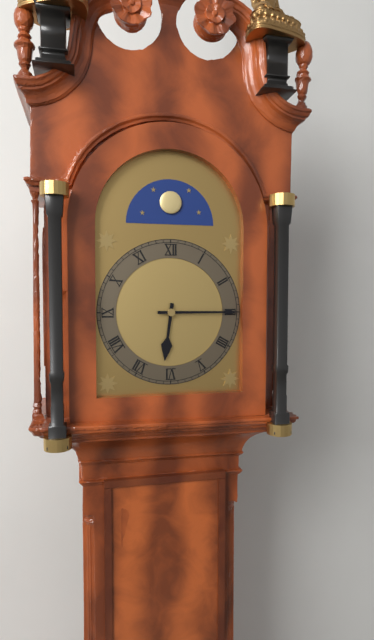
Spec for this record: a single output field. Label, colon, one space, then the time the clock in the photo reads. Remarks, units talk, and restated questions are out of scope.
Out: 6:15
